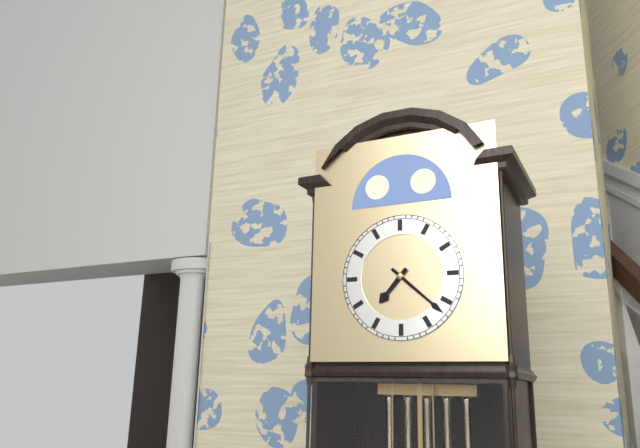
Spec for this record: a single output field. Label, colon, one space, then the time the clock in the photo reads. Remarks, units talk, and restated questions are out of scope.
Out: 7:22
